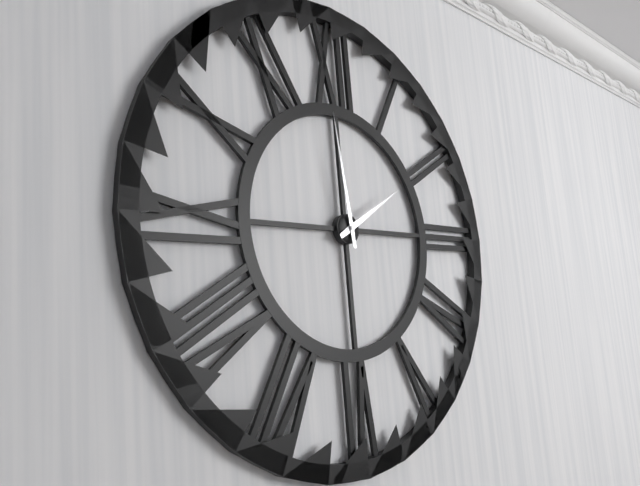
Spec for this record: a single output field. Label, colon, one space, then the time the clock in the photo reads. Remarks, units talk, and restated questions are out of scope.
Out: 1:59
